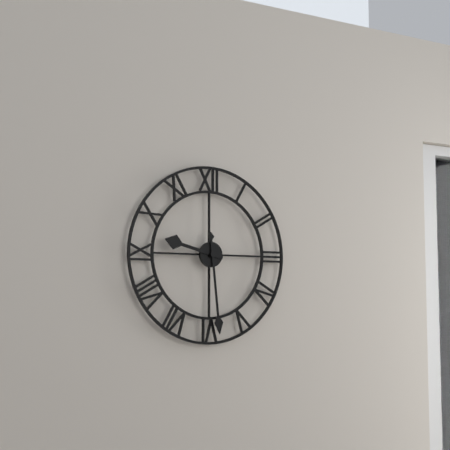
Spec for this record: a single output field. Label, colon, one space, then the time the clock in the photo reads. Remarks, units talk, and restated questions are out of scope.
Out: 9:29
